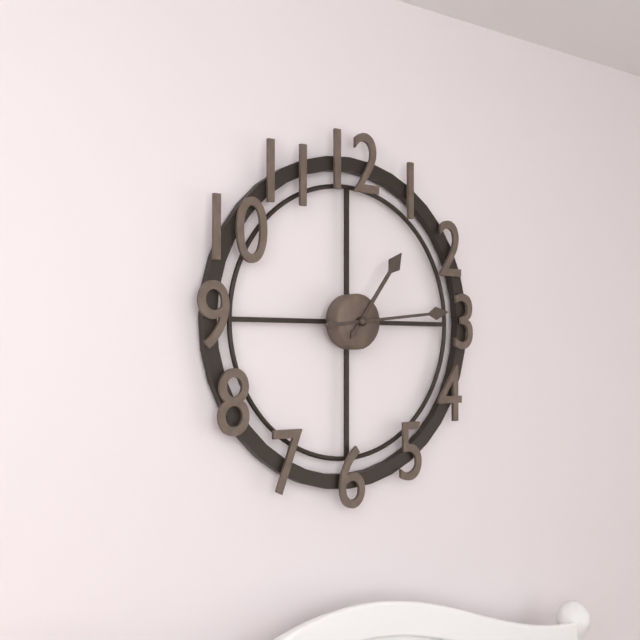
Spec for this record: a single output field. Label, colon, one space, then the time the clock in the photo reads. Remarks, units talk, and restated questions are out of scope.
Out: 1:14
